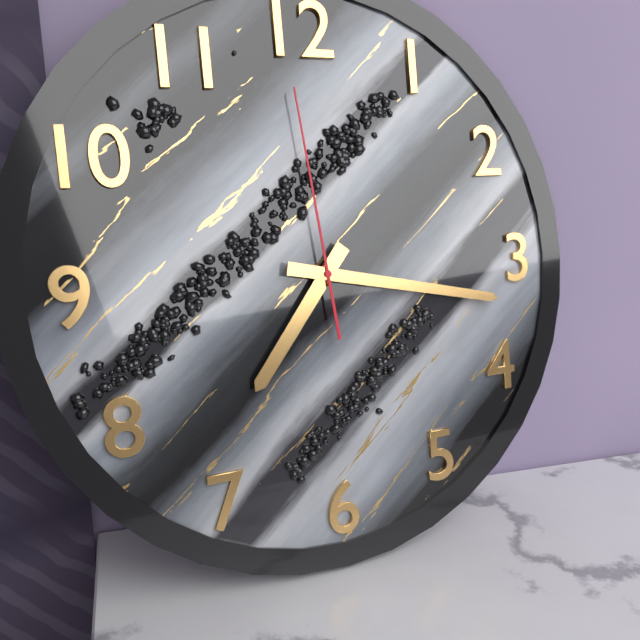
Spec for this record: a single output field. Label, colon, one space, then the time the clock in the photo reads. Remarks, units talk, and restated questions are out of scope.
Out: 7:17:59
